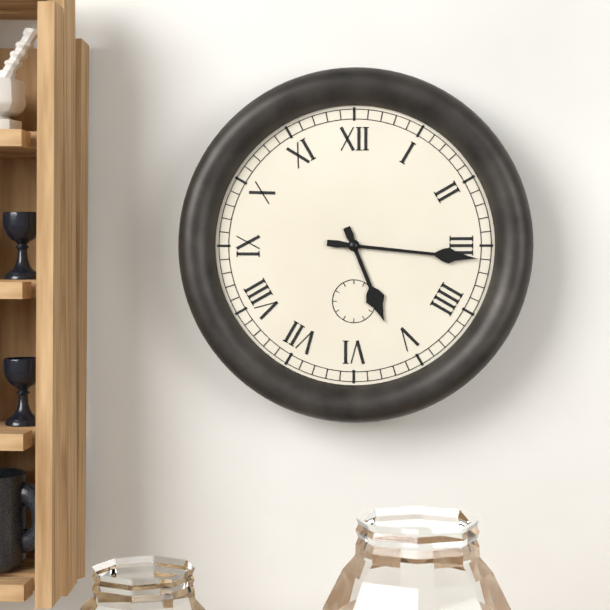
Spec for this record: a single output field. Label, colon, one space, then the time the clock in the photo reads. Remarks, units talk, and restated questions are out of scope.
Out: 5:16
